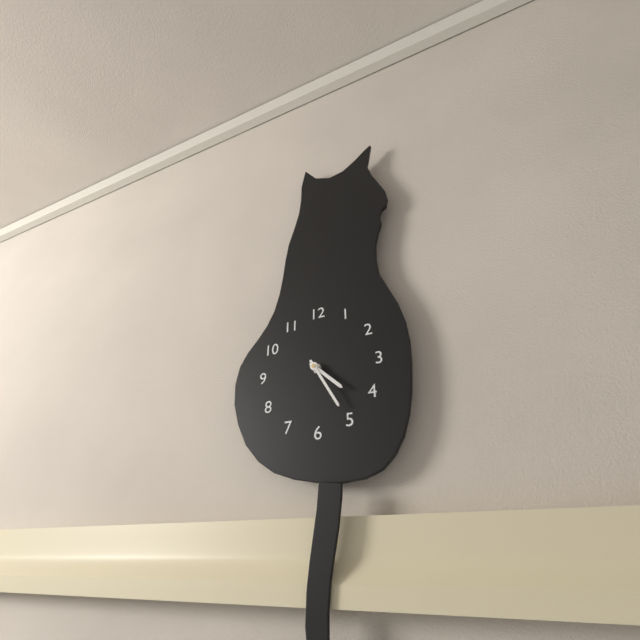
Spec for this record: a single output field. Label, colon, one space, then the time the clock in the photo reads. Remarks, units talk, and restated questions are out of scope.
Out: 4:25
